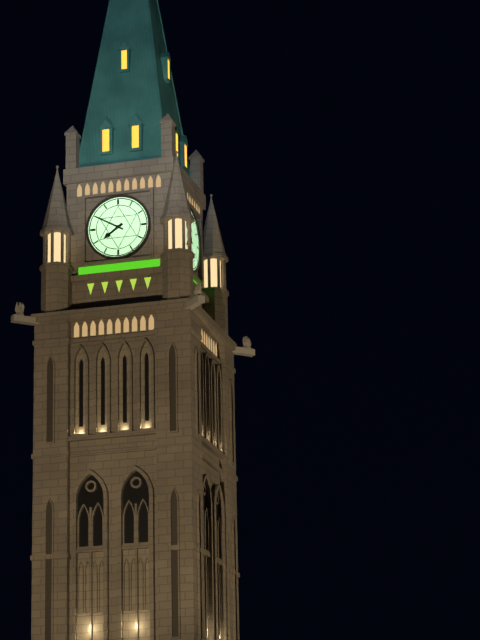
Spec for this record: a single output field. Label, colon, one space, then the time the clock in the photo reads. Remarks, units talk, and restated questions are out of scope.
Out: 7:50
